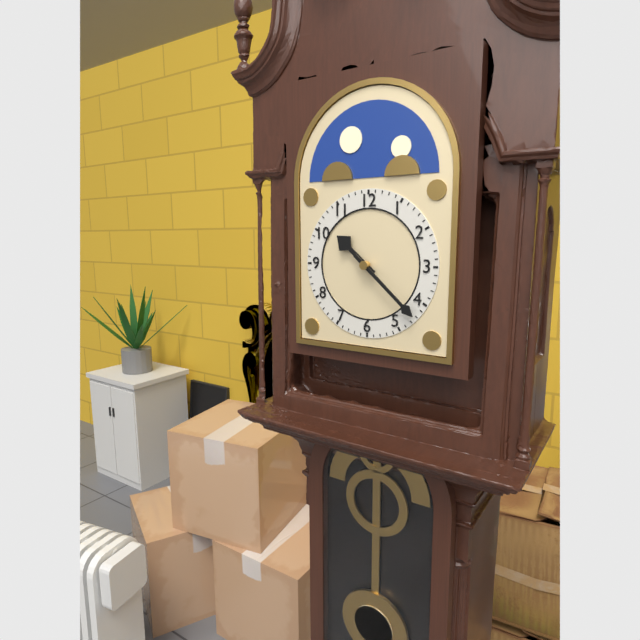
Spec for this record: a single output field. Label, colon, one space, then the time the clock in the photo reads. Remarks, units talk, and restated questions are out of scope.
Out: 10:22
